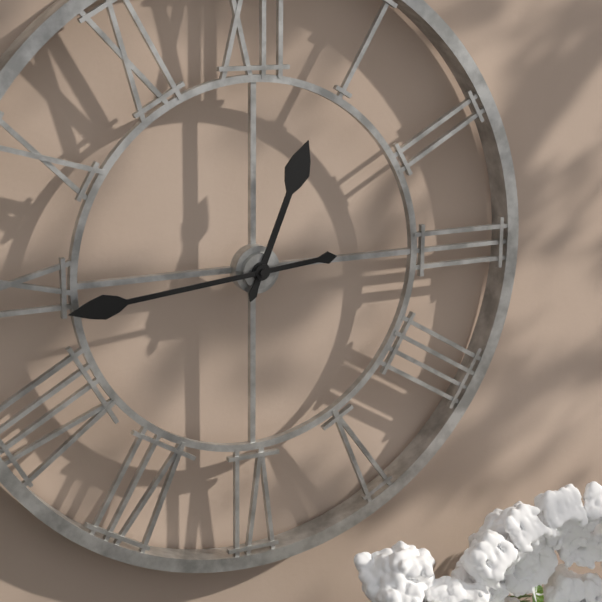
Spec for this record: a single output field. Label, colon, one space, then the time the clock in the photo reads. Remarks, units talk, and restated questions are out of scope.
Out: 12:44
